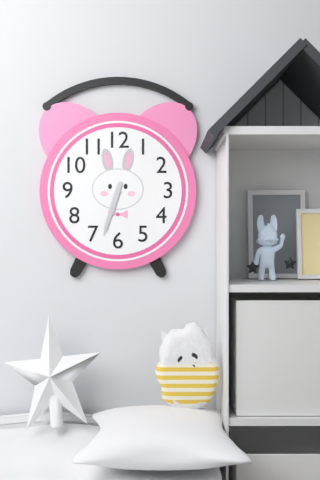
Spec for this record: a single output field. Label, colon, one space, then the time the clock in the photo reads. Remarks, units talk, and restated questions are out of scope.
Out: 6:33
